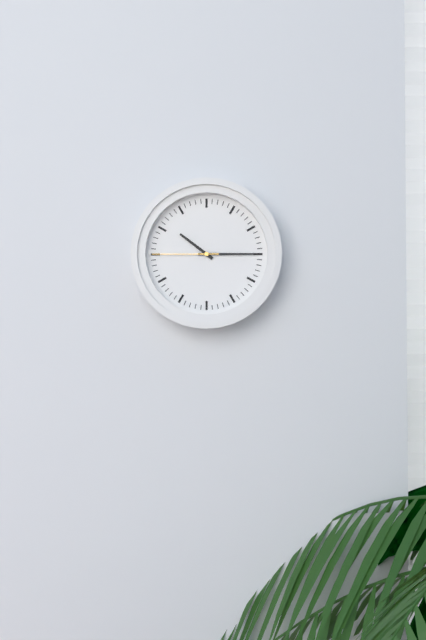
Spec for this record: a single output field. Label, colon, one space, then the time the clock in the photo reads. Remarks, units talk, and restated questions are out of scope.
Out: 10:15:45
